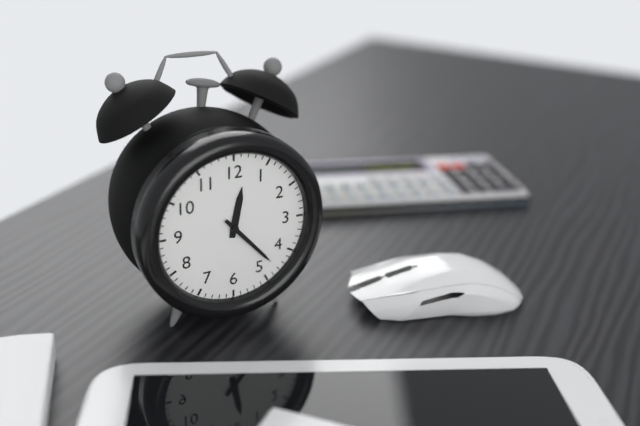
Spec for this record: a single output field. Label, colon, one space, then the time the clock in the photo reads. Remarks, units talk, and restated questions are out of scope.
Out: 12:23
